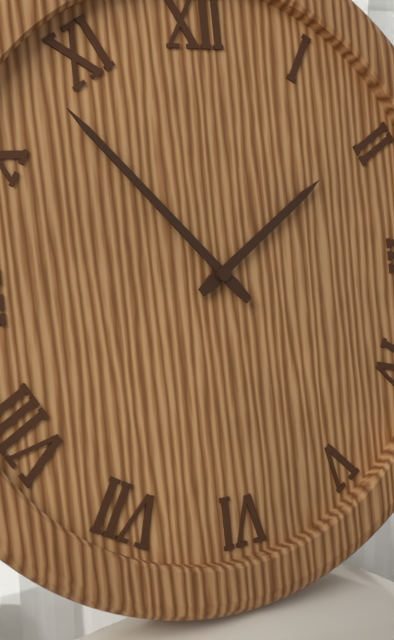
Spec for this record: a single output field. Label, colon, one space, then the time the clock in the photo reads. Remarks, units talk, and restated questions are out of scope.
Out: 1:53
